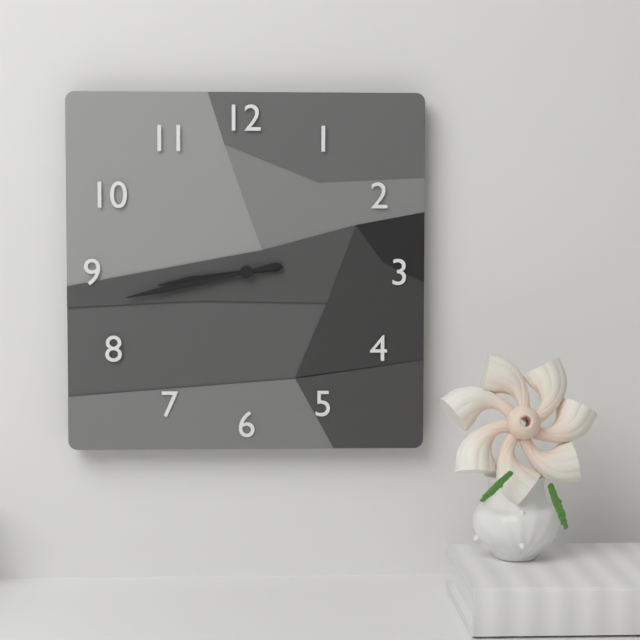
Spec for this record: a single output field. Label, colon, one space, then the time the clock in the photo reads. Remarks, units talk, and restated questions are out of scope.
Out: 8:43
